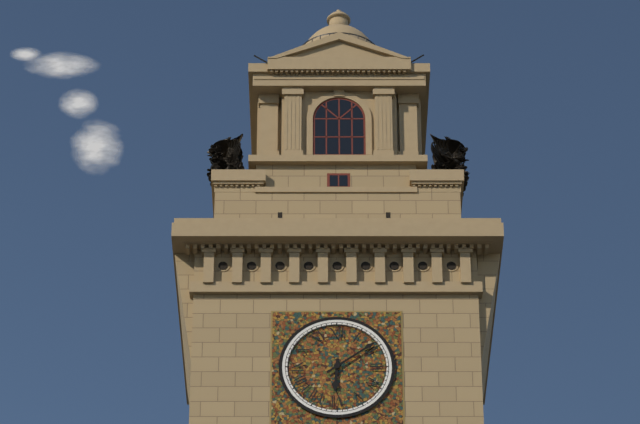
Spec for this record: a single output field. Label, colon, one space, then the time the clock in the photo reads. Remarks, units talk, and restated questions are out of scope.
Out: 6:09
